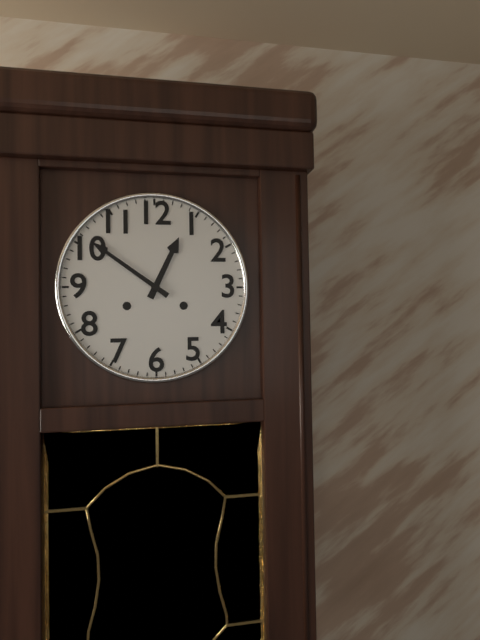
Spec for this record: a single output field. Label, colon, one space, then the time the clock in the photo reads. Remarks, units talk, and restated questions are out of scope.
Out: 12:51
